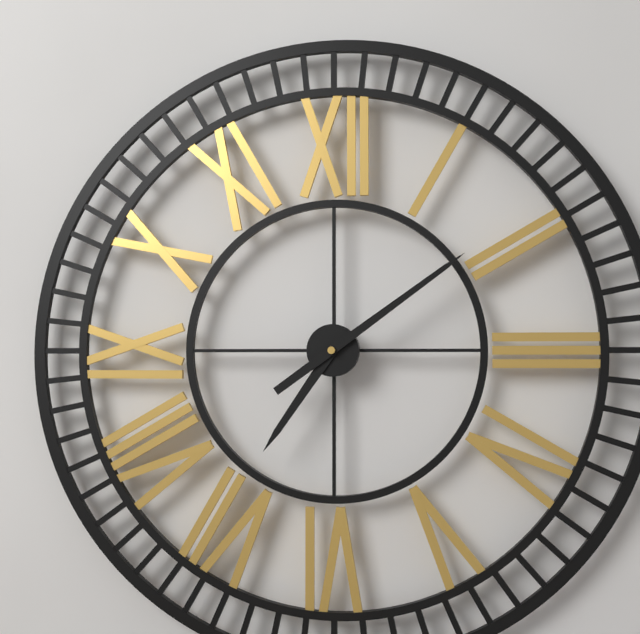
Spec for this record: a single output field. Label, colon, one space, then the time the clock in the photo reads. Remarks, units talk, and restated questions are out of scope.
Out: 7:09
